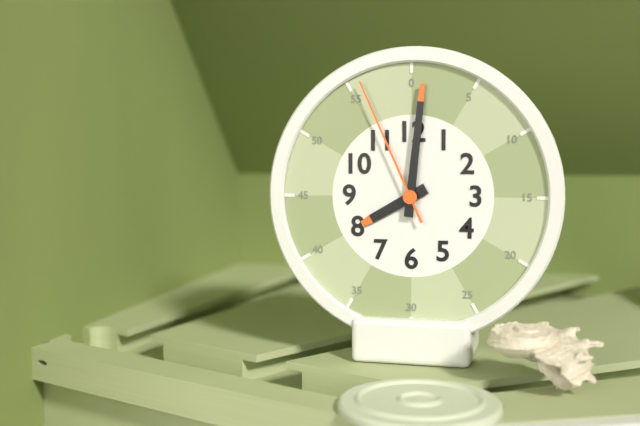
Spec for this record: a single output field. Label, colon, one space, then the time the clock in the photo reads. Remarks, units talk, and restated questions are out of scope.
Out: 8:01:56
